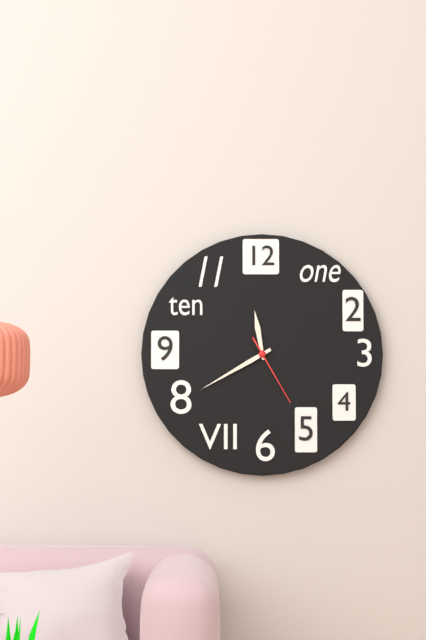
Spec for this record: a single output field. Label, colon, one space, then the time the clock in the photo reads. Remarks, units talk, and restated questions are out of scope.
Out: 11:40:25
